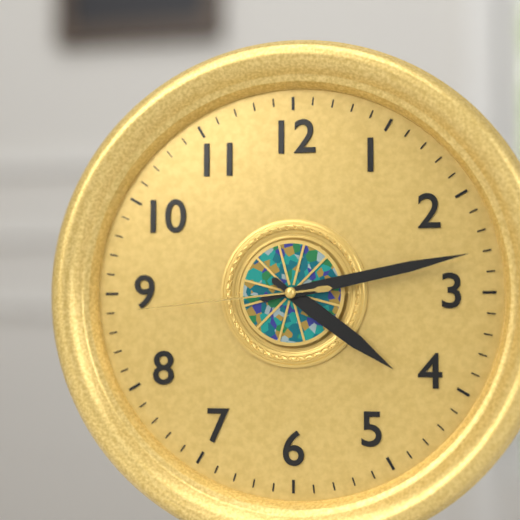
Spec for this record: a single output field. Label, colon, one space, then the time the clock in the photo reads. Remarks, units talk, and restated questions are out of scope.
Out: 4:13:44
